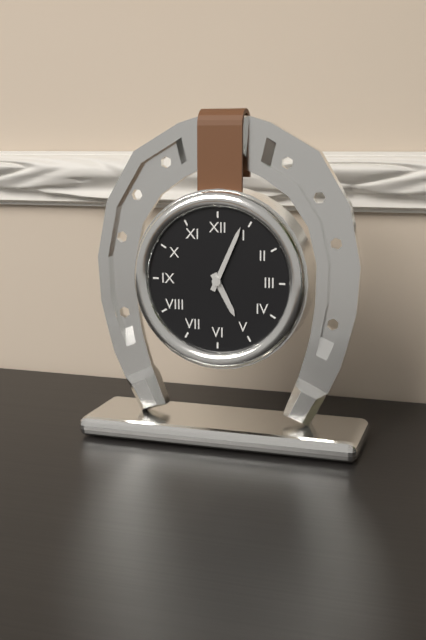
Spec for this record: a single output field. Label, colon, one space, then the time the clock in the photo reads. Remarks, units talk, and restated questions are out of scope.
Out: 5:04
